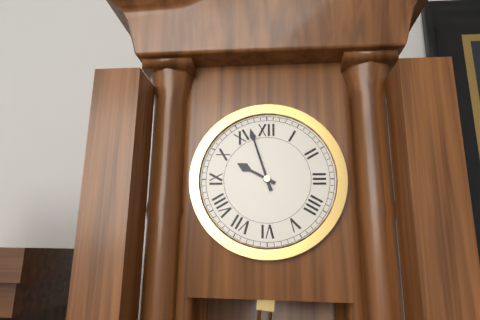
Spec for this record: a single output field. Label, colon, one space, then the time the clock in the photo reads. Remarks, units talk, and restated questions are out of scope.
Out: 9:57
